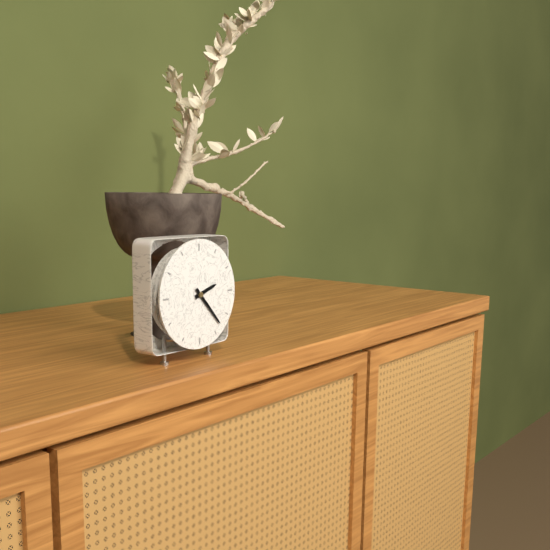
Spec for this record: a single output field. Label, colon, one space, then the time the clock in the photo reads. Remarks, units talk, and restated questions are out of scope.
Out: 2:23
